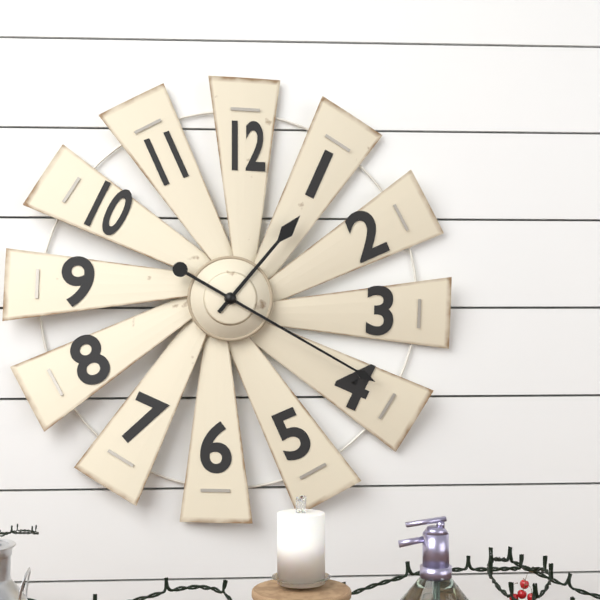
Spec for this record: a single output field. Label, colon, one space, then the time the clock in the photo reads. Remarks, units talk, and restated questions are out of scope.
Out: 1:20
